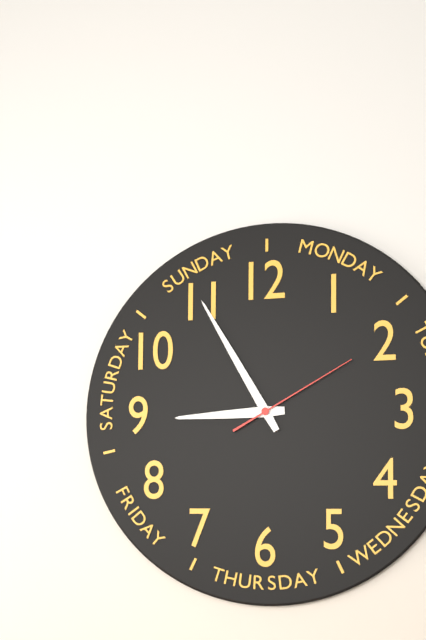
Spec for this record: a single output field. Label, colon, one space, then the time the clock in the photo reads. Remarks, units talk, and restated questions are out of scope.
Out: 8:55:10
